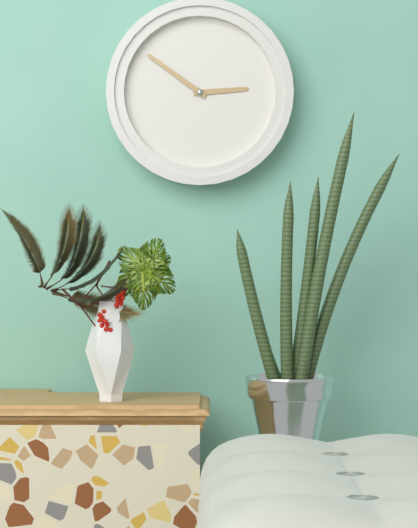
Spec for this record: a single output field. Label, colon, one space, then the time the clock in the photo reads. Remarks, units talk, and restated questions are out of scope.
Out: 2:51
